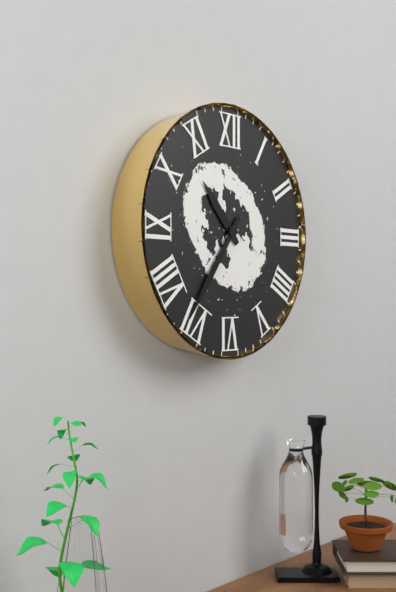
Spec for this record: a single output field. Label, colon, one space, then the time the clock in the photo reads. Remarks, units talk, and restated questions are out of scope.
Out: 10:36
